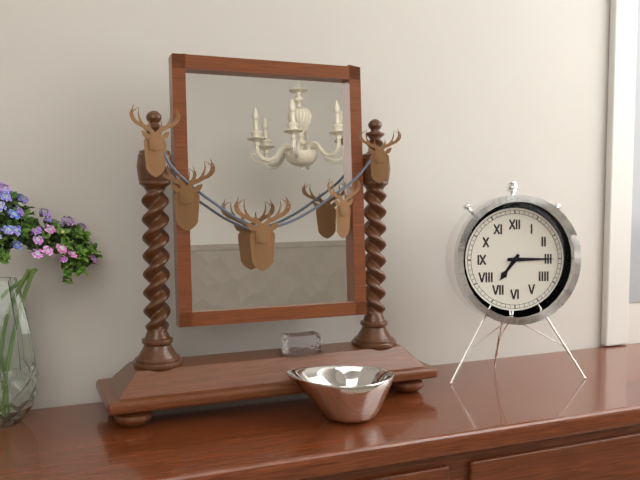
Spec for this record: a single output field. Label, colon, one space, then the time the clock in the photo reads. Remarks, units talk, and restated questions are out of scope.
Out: 7:15
